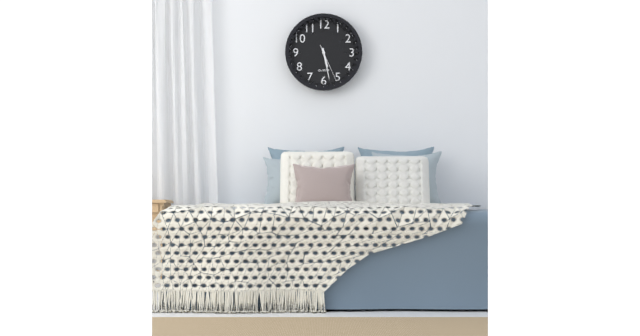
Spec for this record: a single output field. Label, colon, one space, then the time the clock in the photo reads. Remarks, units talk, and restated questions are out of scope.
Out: 5:28
